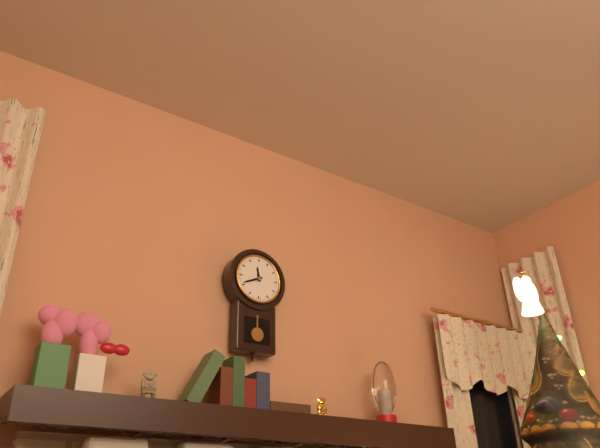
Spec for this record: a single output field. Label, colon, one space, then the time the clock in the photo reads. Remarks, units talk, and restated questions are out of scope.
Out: 11:41
